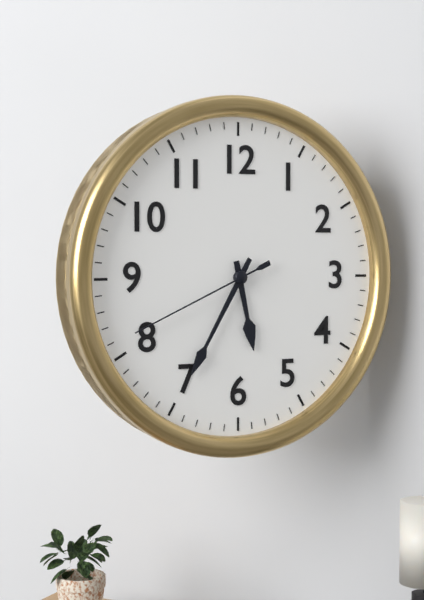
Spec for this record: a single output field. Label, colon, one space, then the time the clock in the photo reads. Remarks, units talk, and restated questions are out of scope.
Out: 5:35:41
